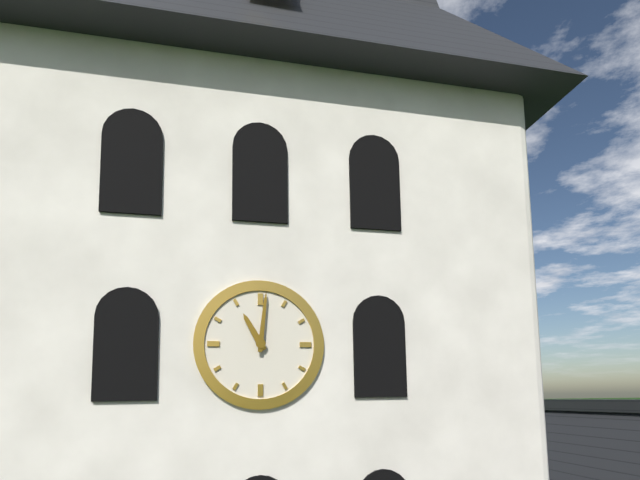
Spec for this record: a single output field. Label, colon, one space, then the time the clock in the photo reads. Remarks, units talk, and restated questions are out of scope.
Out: 11:01
